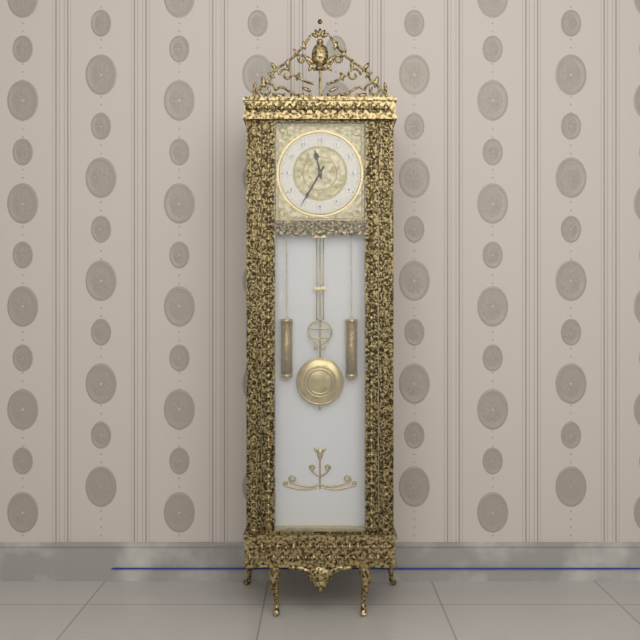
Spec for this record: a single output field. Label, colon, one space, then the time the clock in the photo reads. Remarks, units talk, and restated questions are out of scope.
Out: 11:35
